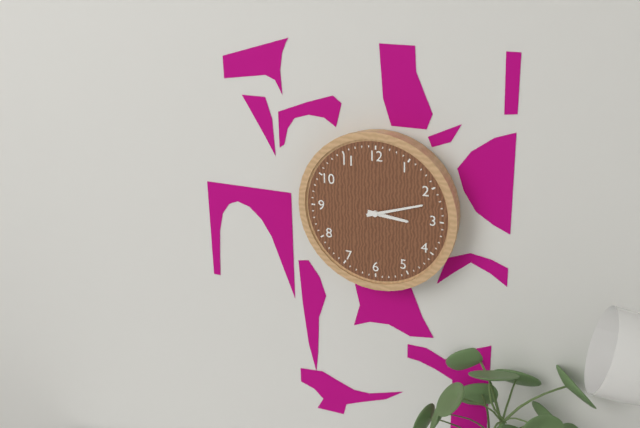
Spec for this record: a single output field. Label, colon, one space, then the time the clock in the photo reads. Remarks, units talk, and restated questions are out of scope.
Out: 3:12
